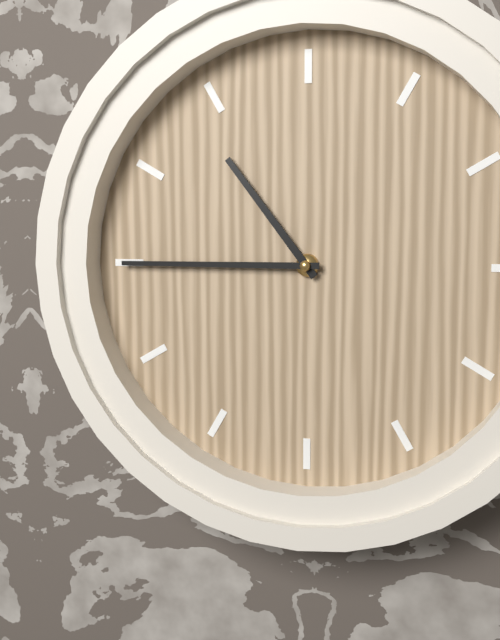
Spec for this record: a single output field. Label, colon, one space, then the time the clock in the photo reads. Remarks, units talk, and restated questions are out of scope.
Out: 10:45
